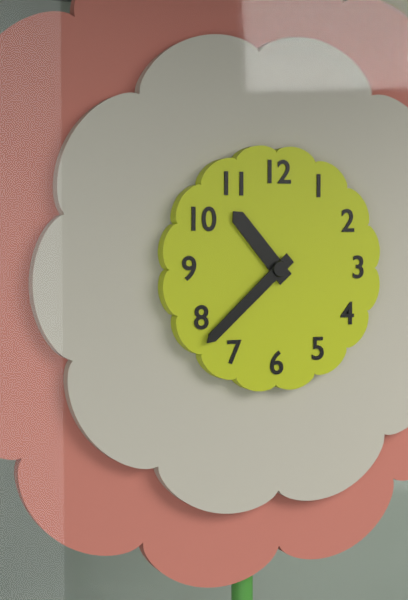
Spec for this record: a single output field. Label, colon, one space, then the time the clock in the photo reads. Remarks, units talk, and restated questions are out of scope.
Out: 10:38
